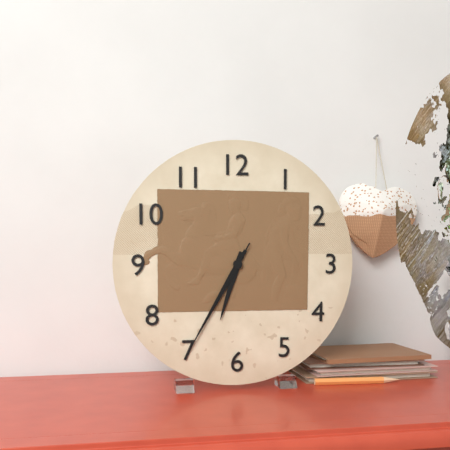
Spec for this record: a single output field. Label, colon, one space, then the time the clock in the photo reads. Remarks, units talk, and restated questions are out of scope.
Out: 6:35:35
